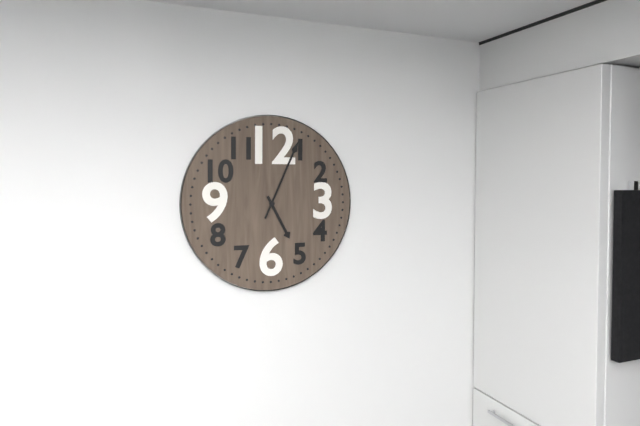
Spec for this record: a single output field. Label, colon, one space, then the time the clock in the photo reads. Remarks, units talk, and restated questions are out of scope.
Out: 5:04
